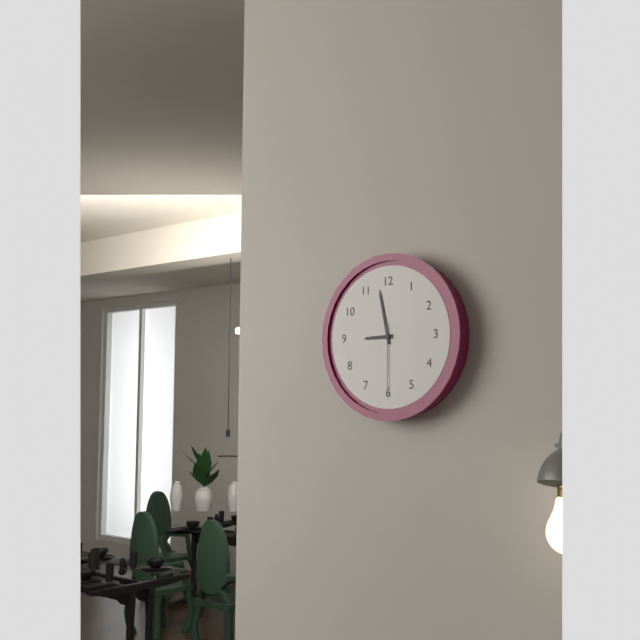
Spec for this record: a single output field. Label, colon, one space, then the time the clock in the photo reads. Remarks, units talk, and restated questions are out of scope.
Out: 8:58:30
